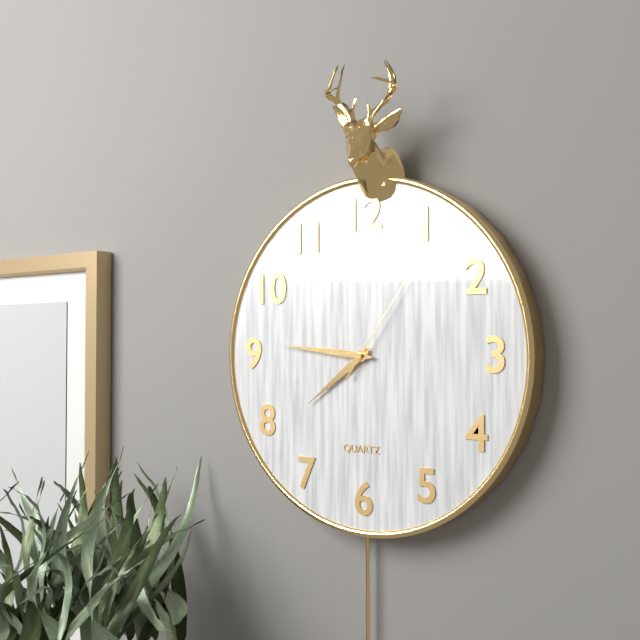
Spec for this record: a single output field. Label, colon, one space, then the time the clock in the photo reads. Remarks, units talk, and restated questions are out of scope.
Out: 7:46:06
